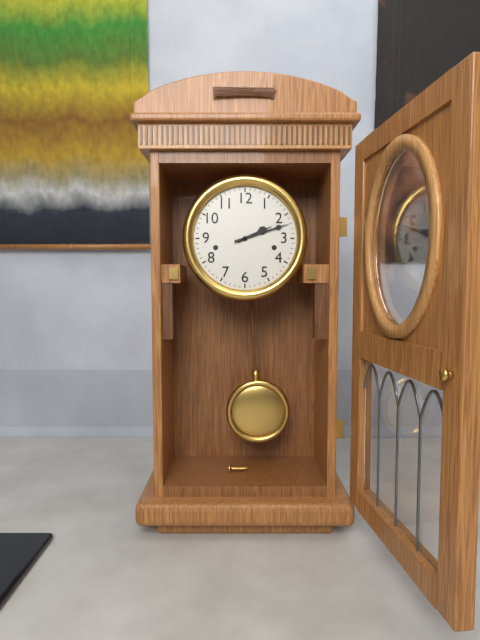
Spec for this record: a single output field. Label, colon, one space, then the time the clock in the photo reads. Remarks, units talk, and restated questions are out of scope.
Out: 2:12
